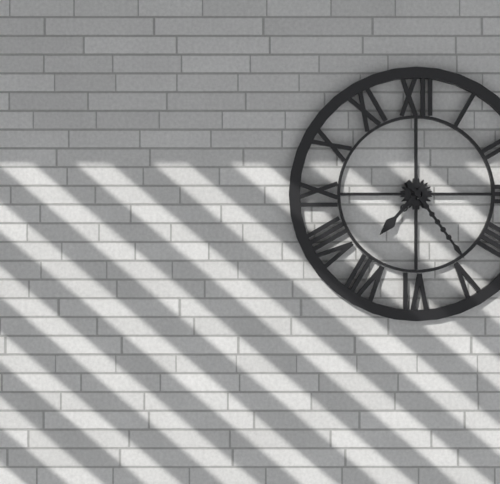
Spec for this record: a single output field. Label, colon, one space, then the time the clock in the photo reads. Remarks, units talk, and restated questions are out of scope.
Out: 7:24
